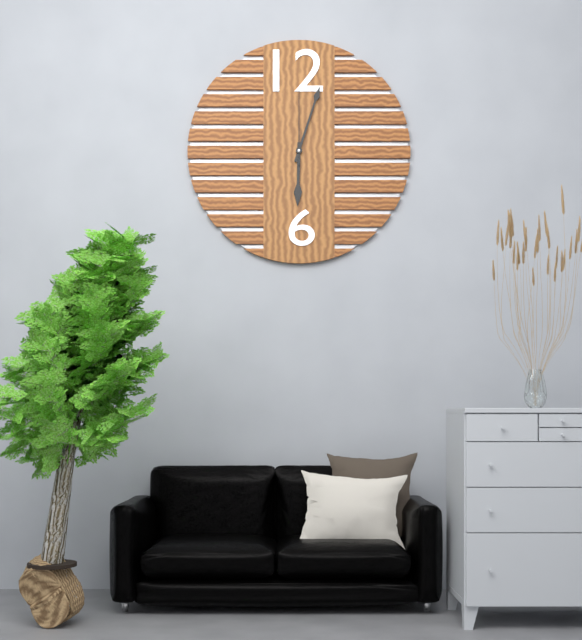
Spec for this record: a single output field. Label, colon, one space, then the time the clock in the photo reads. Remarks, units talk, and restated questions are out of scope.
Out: 6:03:00
